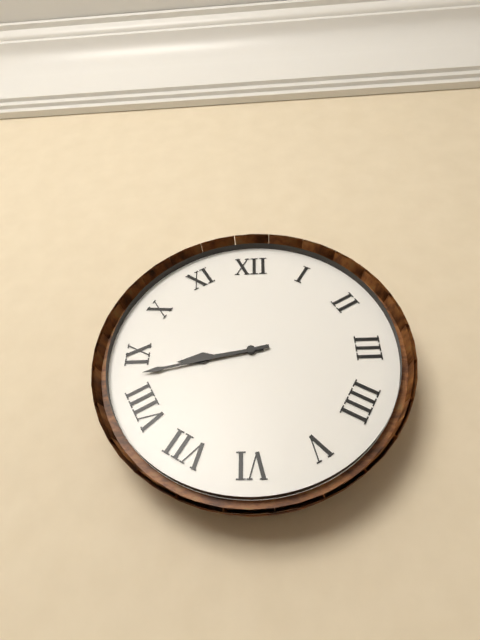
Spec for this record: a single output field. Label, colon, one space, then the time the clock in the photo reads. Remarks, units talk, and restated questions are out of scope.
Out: 8:43
